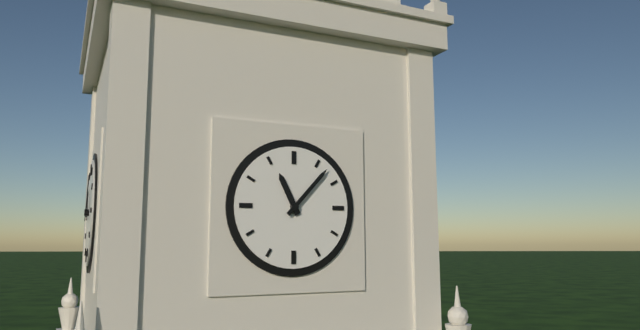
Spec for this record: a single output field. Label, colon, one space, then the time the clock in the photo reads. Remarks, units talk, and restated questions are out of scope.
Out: 11:07
